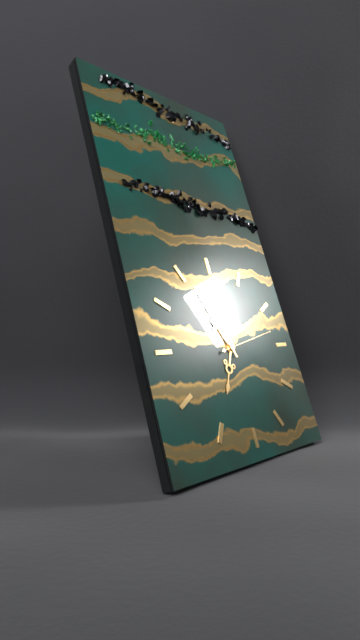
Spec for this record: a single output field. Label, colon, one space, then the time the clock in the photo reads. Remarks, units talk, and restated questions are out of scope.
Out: 6:56:13
